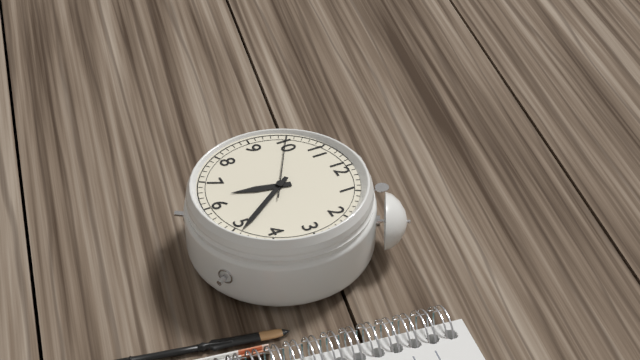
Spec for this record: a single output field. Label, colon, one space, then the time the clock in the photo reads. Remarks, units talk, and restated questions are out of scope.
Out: 6:24:50
